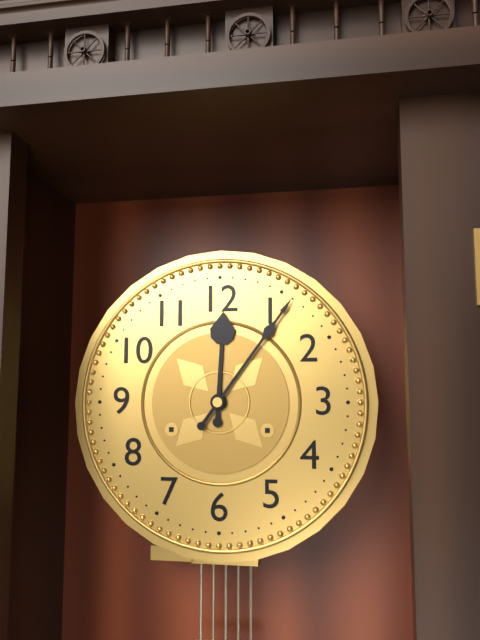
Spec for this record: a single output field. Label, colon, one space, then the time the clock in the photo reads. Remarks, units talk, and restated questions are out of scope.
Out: 12:06
